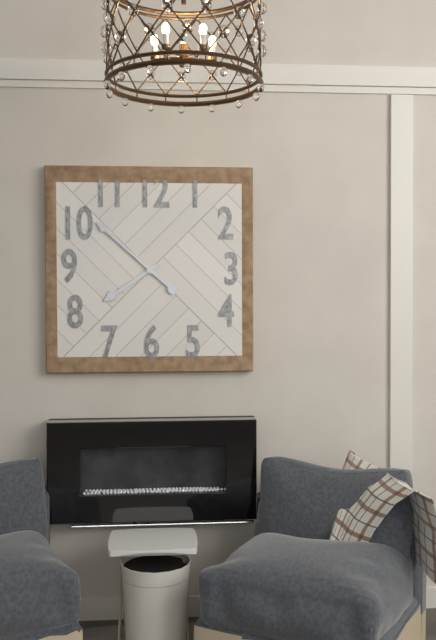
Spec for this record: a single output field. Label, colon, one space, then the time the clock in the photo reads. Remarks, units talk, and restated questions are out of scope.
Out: 7:52
